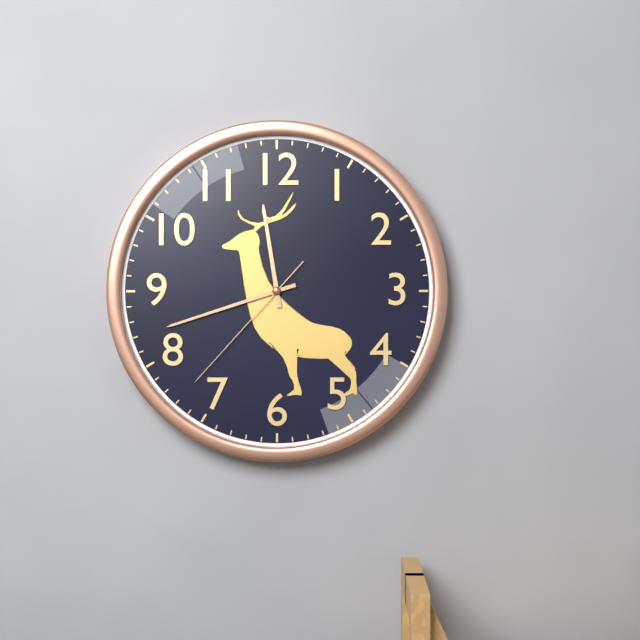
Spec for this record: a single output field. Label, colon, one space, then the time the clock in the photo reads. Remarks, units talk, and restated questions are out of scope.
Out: 11:42:37
